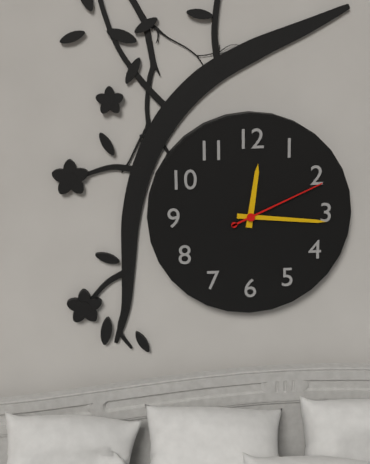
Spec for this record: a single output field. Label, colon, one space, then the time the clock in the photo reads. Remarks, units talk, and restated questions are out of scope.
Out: 12:16:11
